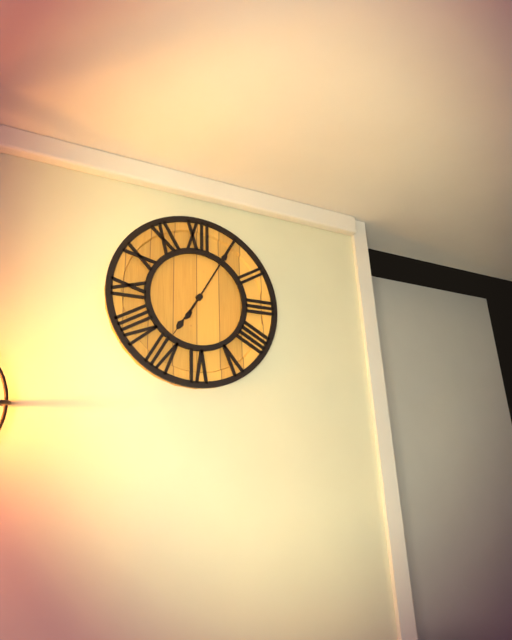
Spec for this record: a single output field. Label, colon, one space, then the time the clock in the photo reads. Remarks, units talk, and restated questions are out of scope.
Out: 7:05
